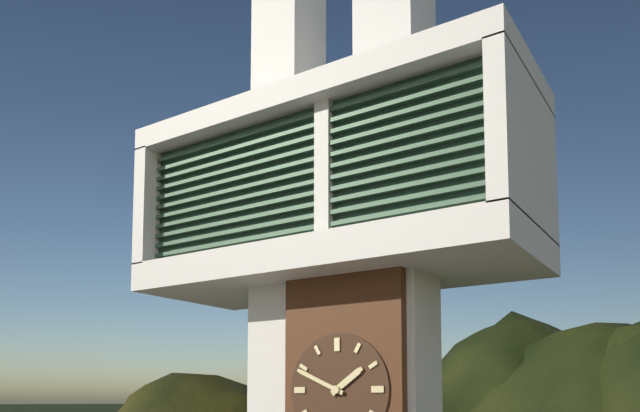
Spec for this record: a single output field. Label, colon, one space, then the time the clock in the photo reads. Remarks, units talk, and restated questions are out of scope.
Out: 1:49
